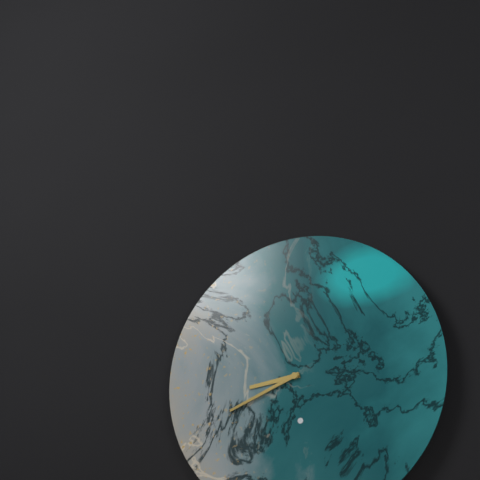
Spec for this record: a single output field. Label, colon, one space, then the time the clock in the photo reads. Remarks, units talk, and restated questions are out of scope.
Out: 8:41
